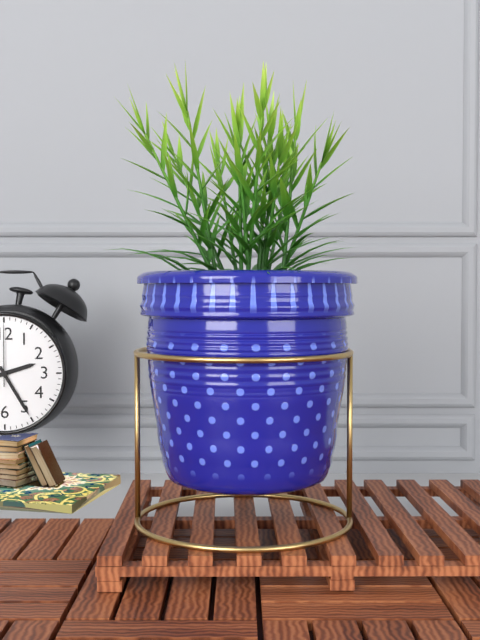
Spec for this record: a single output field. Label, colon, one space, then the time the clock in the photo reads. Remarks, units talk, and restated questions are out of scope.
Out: 2:25:00
